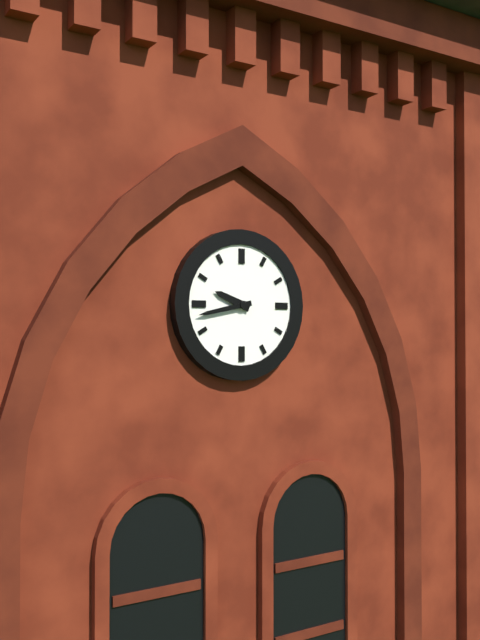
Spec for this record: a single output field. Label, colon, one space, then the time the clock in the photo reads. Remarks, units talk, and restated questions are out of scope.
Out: 9:43
